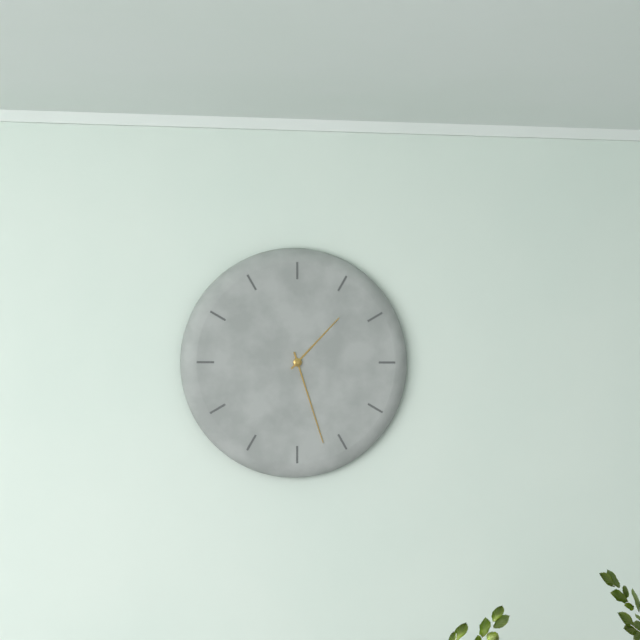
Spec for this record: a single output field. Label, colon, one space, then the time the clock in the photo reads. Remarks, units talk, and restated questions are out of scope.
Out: 1:27
